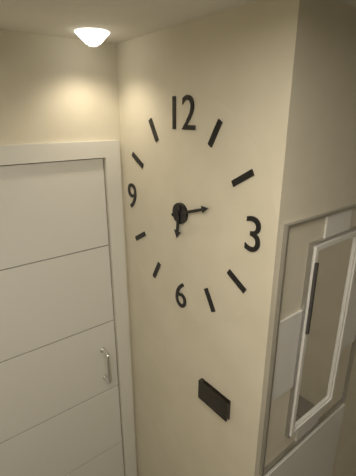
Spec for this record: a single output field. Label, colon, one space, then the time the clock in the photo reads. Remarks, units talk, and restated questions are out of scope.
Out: 6:12
